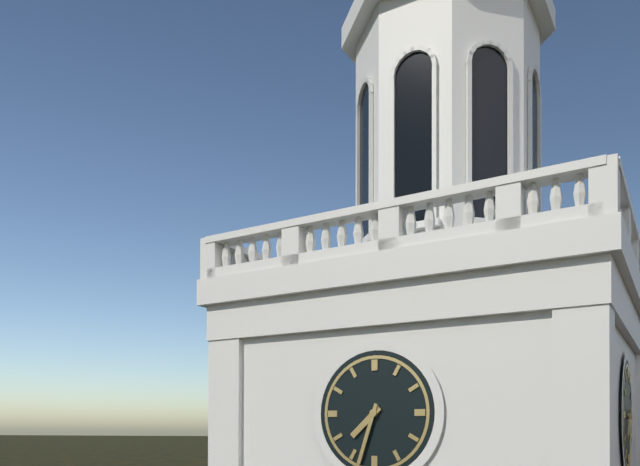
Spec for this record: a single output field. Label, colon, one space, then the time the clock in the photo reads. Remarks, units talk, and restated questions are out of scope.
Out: 7:33
